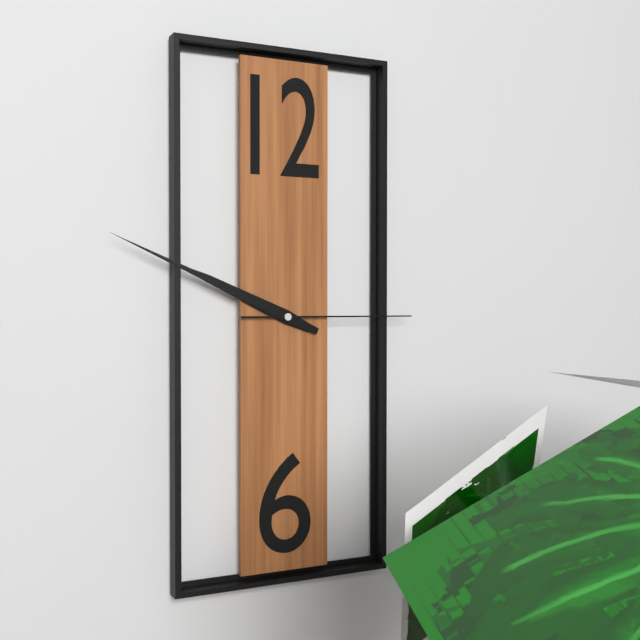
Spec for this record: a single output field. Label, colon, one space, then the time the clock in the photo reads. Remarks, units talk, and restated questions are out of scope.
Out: 9:49:15
